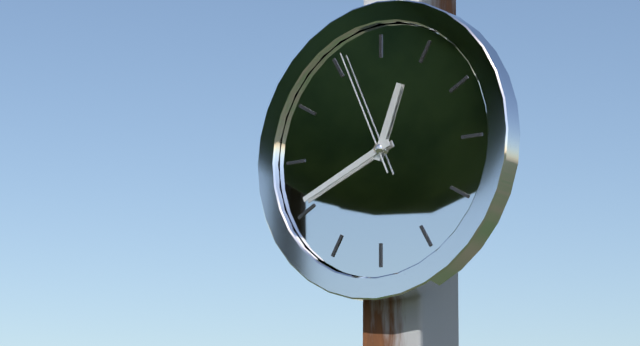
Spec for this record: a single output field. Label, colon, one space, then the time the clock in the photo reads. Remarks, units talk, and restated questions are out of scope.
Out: 12:41:56
